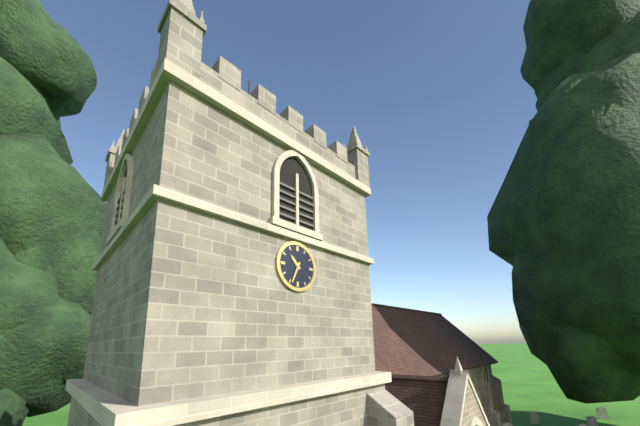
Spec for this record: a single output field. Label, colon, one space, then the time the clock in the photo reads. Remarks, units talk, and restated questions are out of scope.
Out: 10:34
